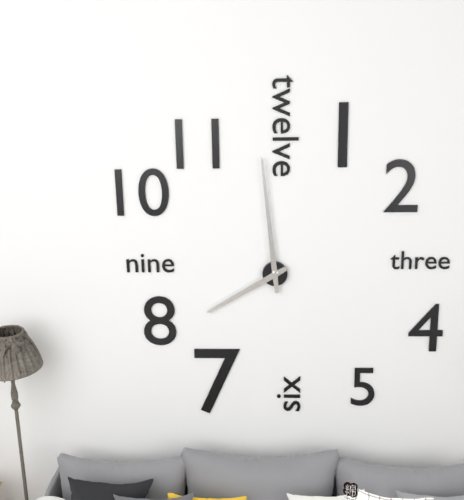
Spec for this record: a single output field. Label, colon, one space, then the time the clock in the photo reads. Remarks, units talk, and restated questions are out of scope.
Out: 7:59
